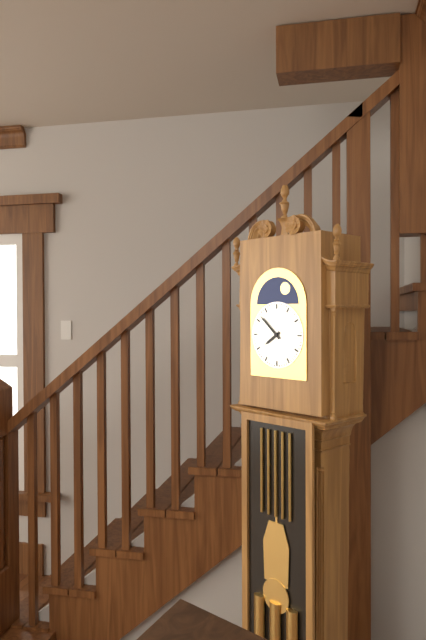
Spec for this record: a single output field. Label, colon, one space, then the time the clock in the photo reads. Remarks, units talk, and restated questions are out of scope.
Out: 7:52
